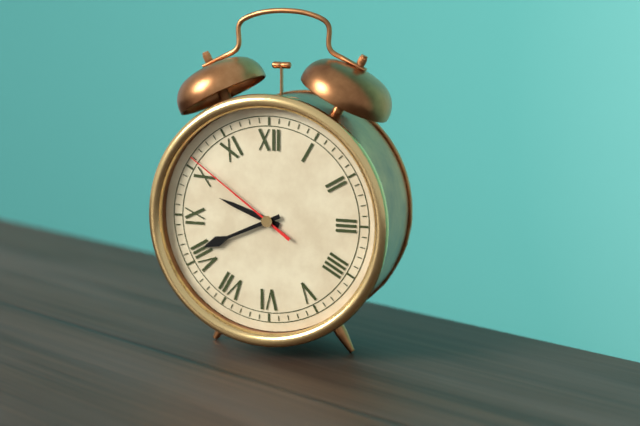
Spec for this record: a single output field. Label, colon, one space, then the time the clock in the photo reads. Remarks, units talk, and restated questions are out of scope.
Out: 9:41:51
